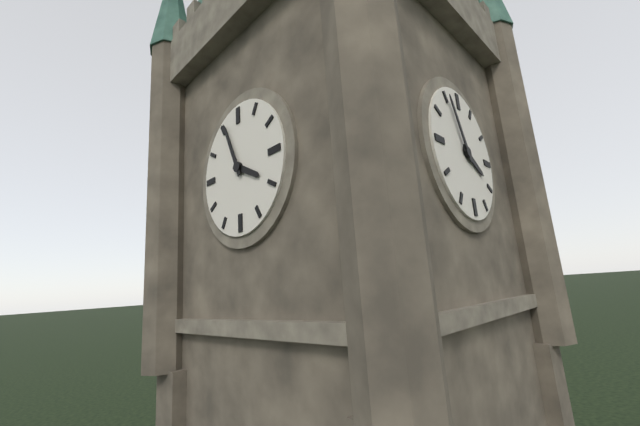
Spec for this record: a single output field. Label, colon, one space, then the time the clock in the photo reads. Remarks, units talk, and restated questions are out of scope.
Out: 3:56
